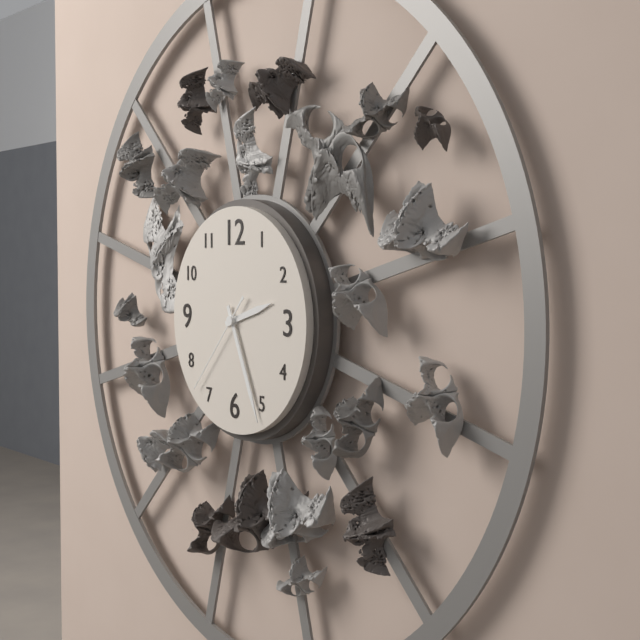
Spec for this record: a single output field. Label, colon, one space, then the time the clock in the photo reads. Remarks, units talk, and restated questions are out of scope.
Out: 2:26:37
